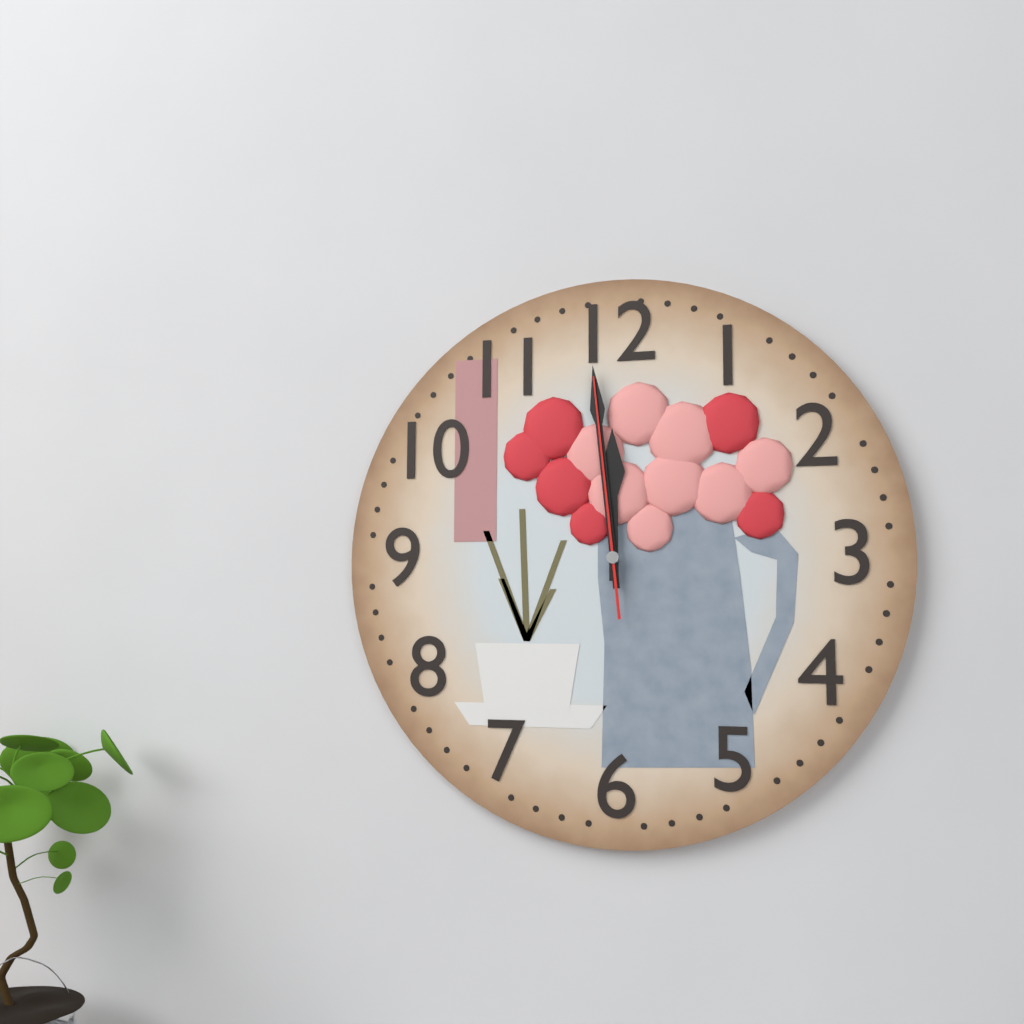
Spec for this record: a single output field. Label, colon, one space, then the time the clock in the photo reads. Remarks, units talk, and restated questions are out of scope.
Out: 11:59:59
